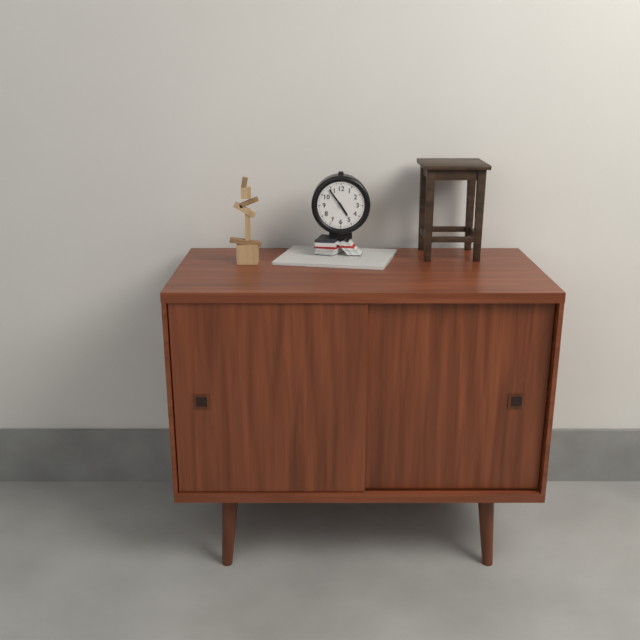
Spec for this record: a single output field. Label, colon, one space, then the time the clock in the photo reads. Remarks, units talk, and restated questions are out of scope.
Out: 4:54
